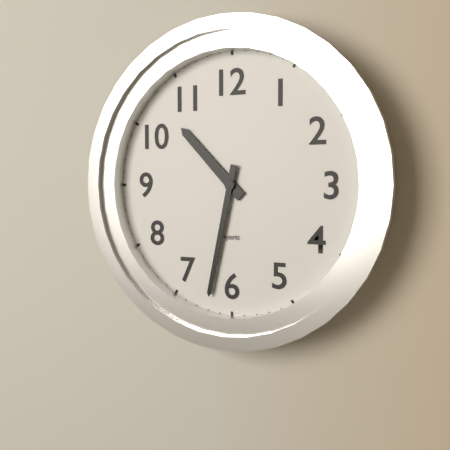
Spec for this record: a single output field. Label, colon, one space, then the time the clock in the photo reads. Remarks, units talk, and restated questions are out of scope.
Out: 10:32
